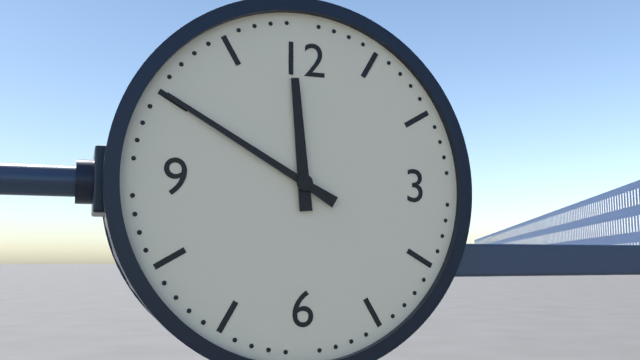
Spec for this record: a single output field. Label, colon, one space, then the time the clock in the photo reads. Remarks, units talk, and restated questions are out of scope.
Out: 11:50
